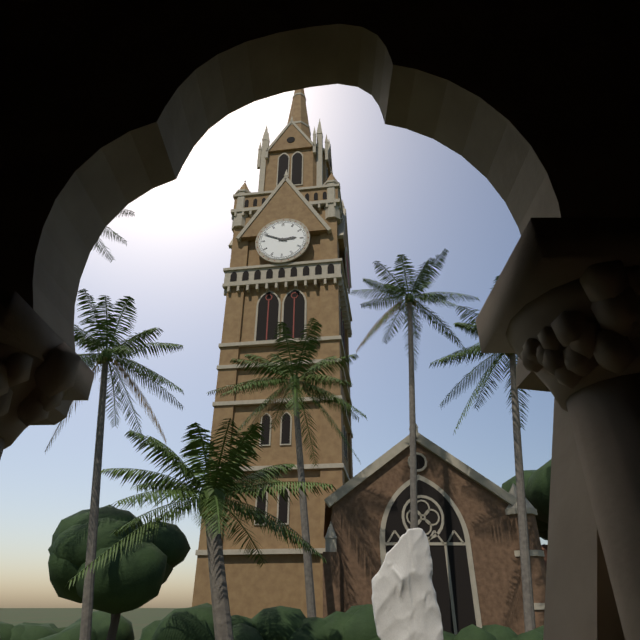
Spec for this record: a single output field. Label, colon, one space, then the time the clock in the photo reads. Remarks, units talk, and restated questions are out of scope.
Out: 2:49
